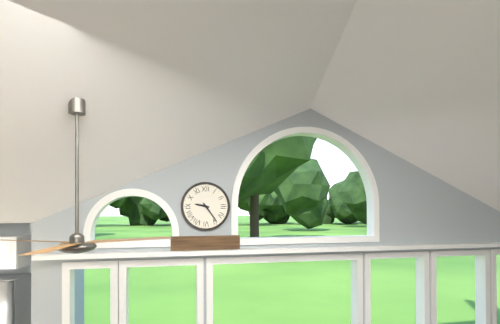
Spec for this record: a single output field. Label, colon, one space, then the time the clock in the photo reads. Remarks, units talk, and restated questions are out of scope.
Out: 9:24
